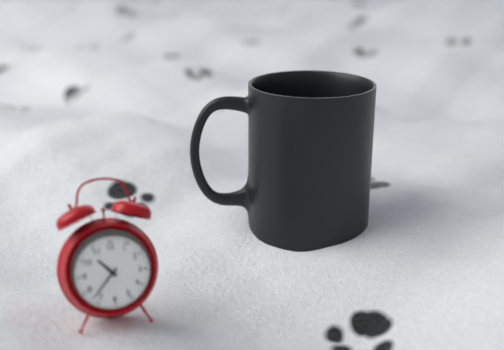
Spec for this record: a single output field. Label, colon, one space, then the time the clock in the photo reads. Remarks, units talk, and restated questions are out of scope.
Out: 10:37
